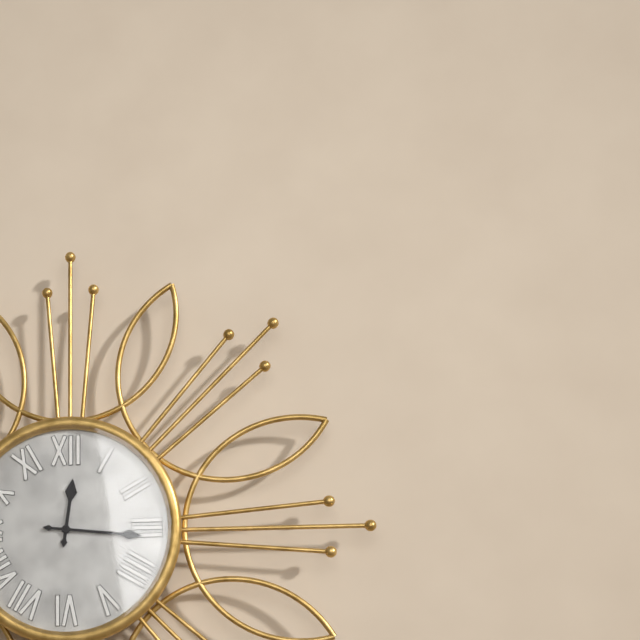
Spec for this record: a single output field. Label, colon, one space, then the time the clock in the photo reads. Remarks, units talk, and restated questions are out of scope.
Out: 12:16
